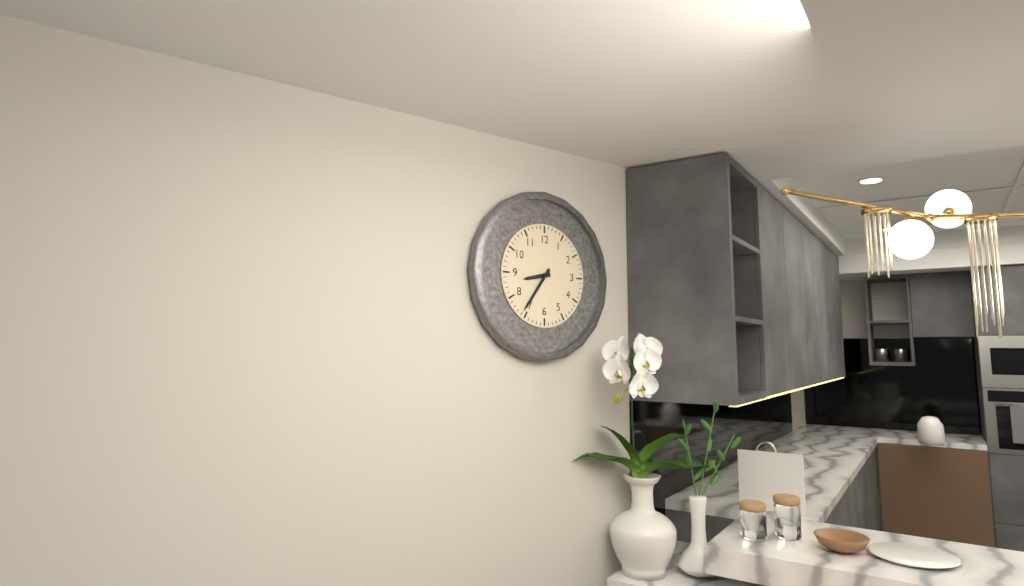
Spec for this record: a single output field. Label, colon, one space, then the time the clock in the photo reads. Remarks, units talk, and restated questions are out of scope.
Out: 8:36
